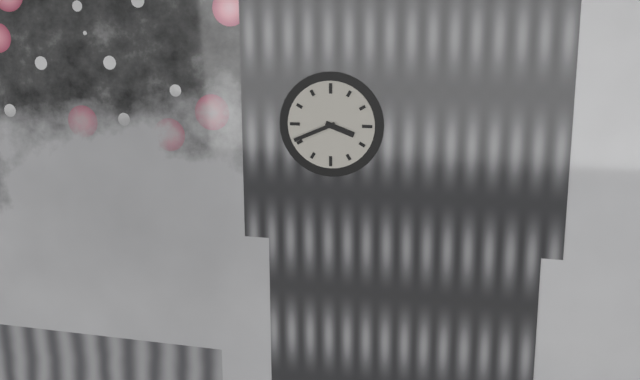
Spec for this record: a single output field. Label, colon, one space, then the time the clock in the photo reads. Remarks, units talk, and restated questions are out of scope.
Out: 3:41
